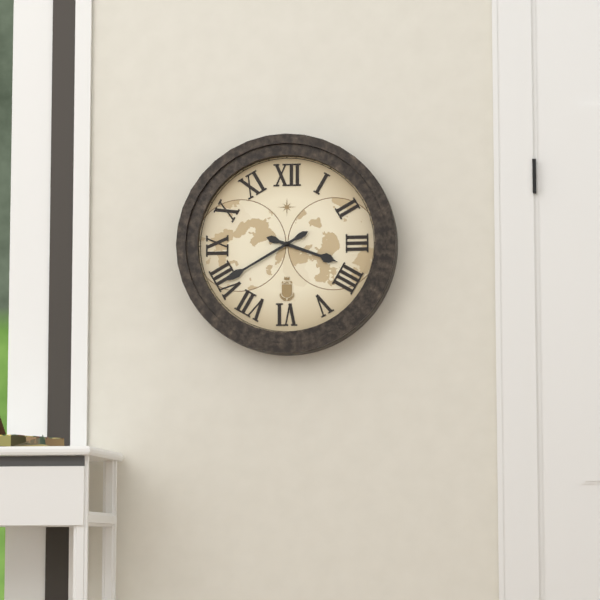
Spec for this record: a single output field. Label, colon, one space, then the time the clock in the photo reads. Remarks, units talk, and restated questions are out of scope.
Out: 3:40
